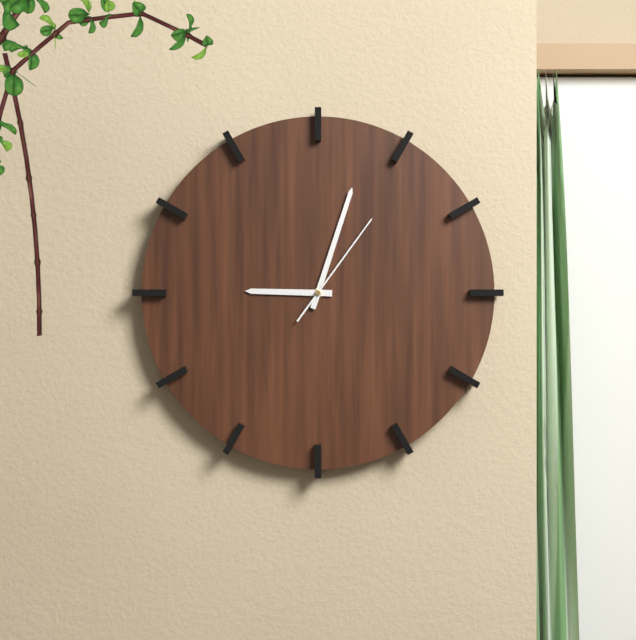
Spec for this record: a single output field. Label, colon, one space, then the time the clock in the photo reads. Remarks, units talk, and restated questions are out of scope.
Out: 9:03:06
